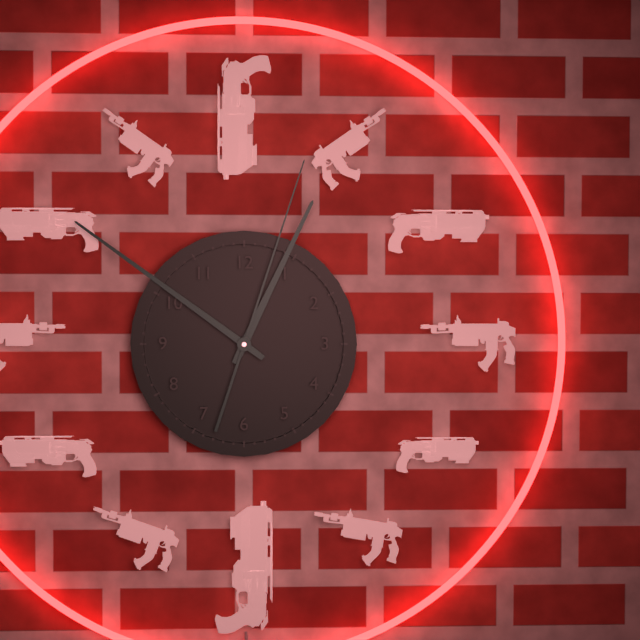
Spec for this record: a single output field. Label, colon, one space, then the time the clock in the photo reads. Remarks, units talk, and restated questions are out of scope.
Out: 12:51:03
